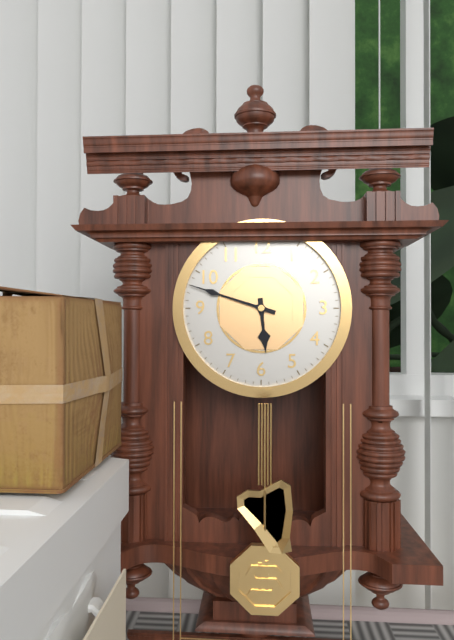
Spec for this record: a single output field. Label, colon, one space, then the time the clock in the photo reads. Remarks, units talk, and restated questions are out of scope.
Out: 5:48
